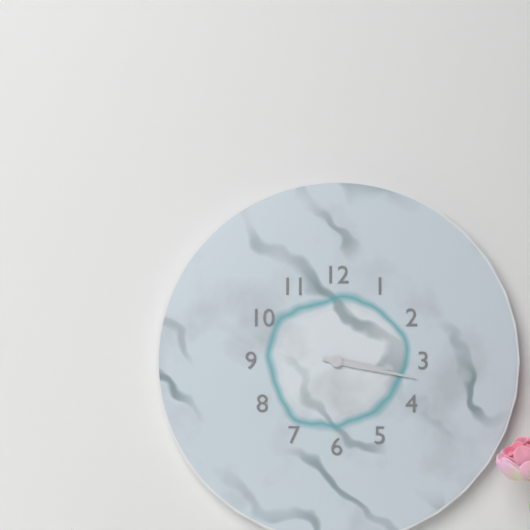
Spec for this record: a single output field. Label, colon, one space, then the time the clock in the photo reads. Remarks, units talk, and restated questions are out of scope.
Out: 3:17
